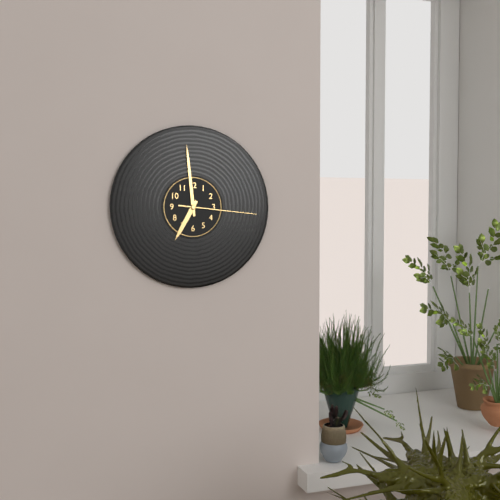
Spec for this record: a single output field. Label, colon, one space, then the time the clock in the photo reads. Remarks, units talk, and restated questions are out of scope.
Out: 6:59:16
